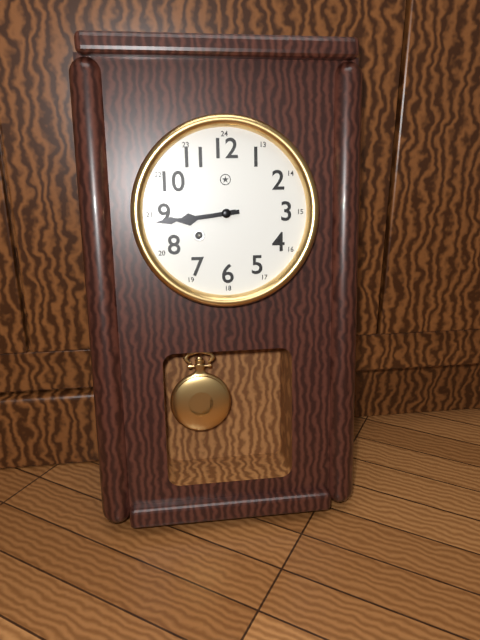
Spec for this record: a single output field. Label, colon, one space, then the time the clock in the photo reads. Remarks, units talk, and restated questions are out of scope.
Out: 8:44
